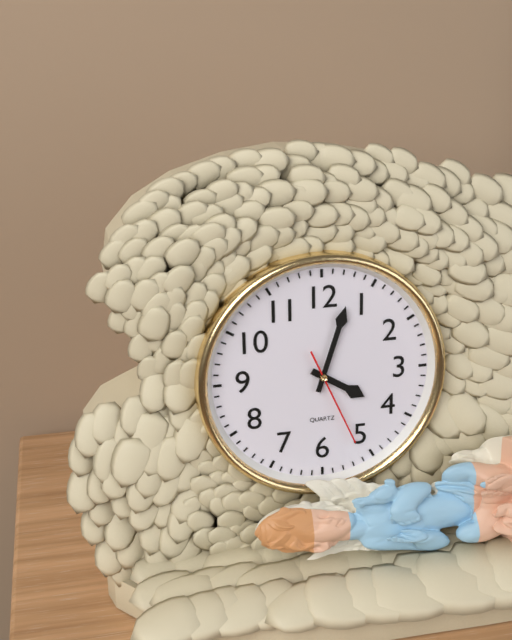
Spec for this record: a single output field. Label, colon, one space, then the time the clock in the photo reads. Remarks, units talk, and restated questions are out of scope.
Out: 4:03:26
